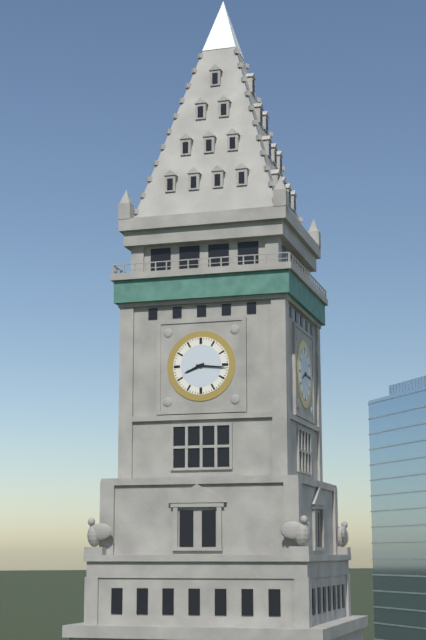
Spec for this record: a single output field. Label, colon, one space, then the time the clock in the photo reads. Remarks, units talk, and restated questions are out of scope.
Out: 8:16
